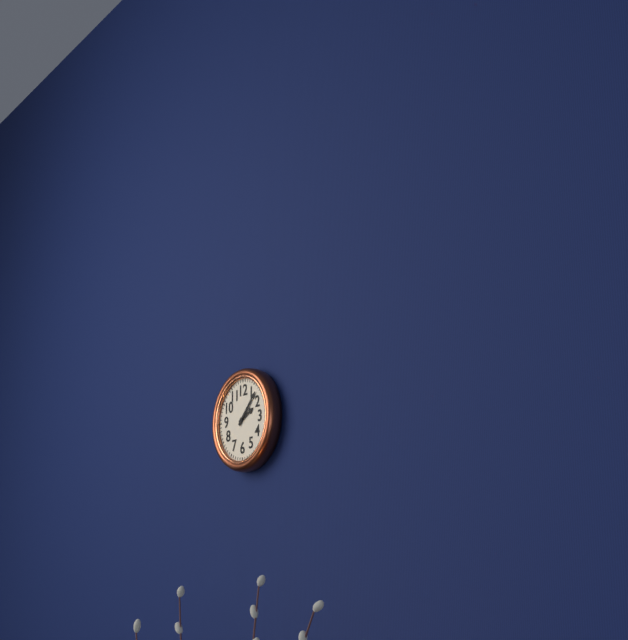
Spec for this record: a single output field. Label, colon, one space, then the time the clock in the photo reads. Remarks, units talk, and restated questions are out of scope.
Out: 2:07
